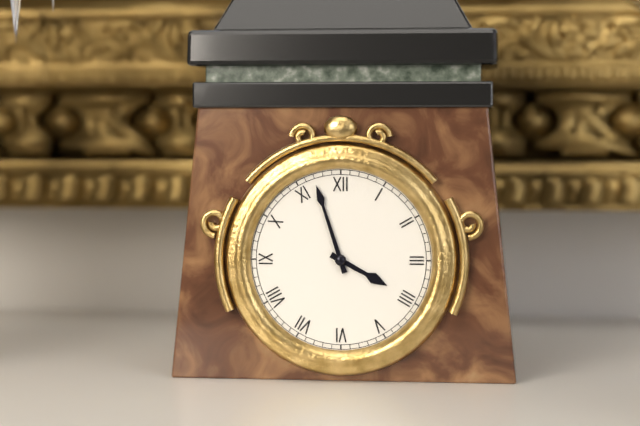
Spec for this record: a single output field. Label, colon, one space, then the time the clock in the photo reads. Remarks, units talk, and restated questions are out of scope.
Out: 3:57
